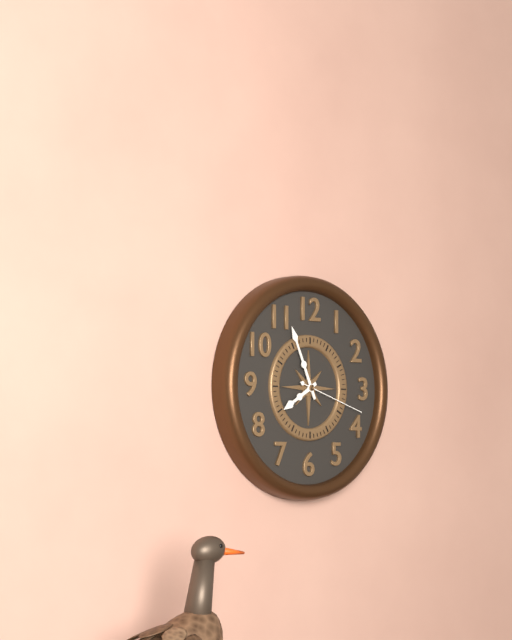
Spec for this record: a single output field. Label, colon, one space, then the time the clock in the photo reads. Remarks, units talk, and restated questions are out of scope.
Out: 7:56:18
